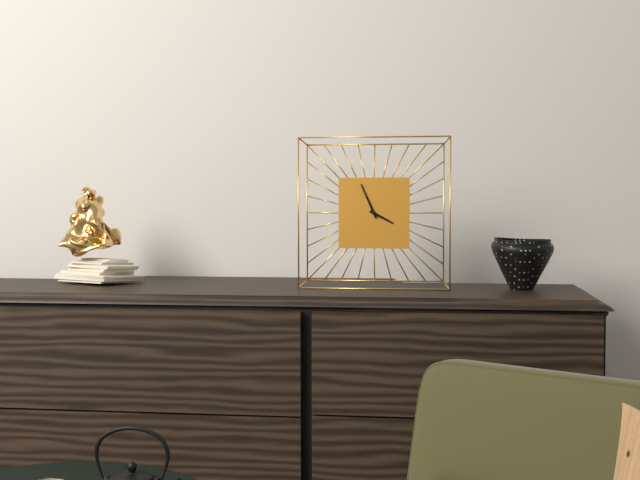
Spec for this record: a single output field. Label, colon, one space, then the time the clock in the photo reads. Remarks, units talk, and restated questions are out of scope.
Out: 3:56
